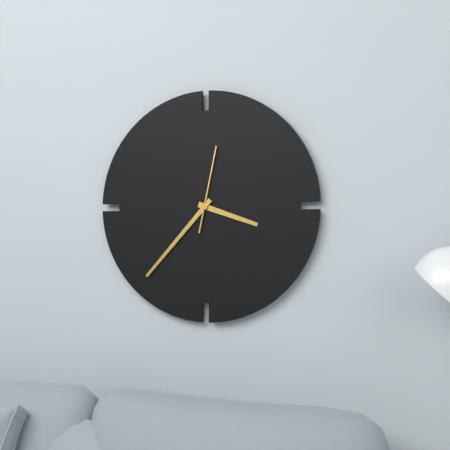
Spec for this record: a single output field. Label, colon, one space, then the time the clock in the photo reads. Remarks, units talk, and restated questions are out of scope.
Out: 3:37:02
